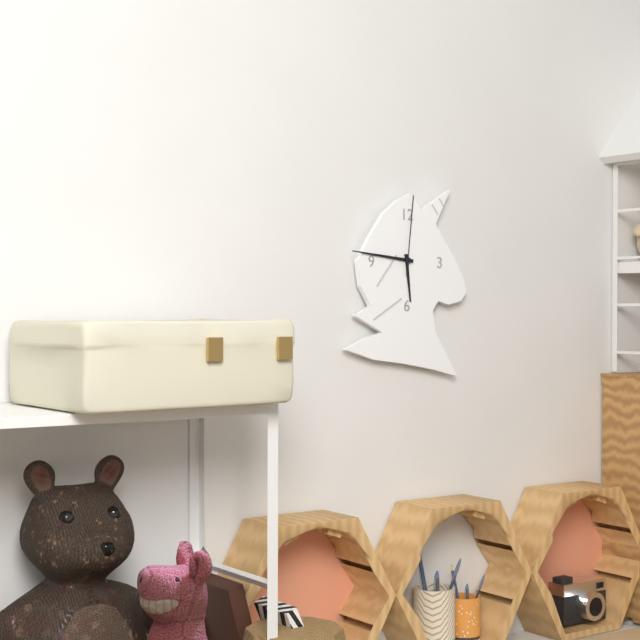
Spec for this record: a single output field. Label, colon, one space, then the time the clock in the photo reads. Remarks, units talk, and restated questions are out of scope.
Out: 5:46:01
